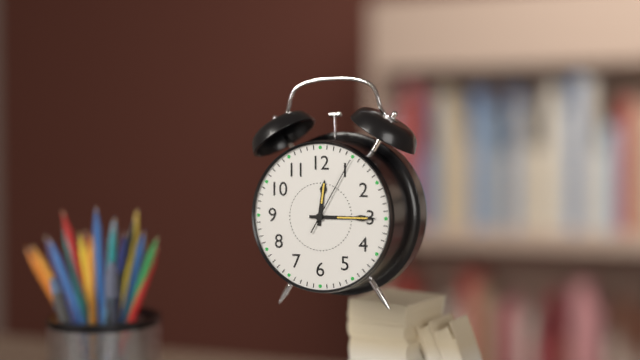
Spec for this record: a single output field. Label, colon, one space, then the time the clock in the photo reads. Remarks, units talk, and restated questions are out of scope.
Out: 12:15:05
